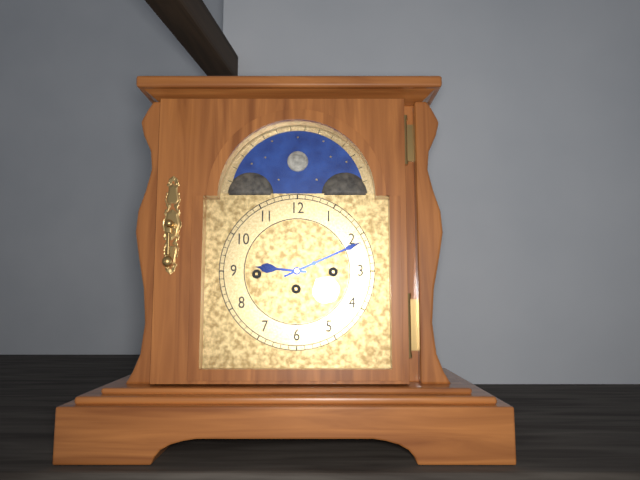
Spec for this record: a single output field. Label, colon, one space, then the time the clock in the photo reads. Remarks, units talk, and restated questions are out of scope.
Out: 9:11
